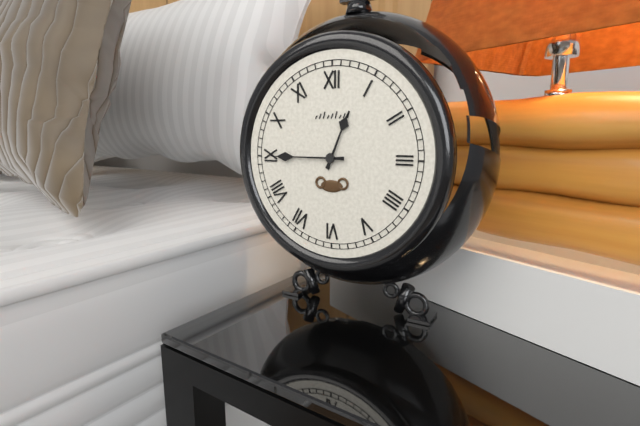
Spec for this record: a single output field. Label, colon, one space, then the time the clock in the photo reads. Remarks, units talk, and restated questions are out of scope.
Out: 12:45
